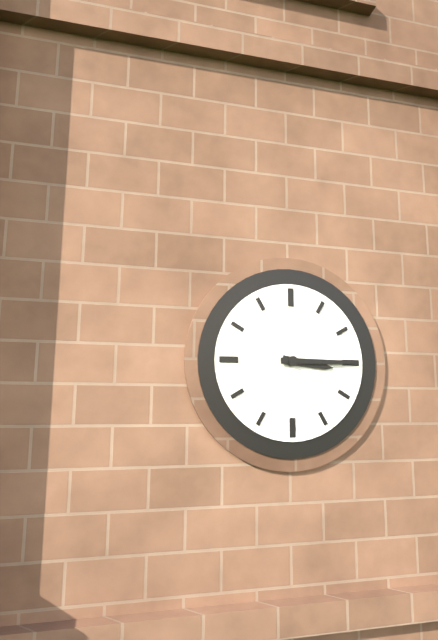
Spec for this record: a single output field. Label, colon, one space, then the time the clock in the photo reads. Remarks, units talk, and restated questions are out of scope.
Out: 3:15
